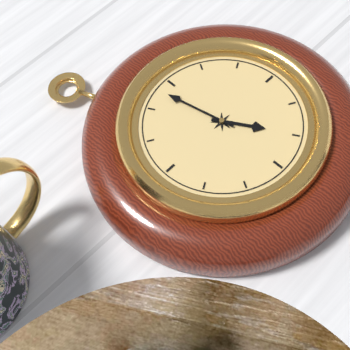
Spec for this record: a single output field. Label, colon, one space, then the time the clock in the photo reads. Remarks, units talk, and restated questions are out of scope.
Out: 4:58
